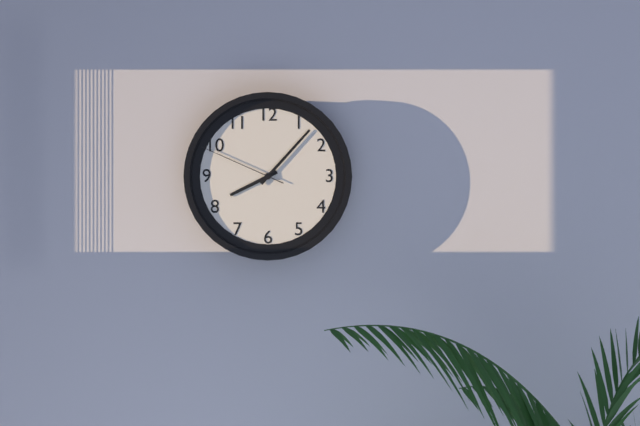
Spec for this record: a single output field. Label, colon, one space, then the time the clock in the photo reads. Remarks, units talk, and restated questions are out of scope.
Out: 8:07:49
